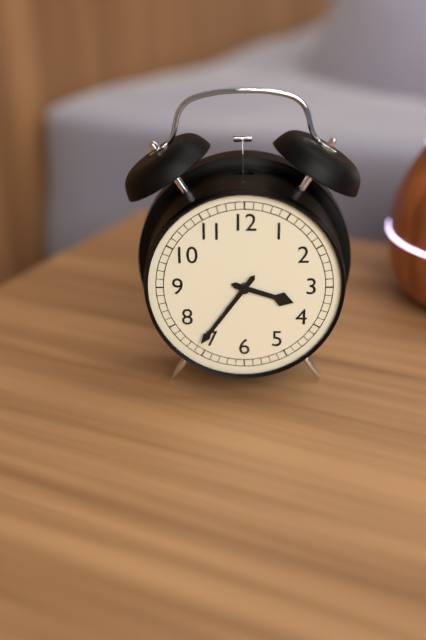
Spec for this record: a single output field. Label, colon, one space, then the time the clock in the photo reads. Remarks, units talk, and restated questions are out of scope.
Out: 3:36
